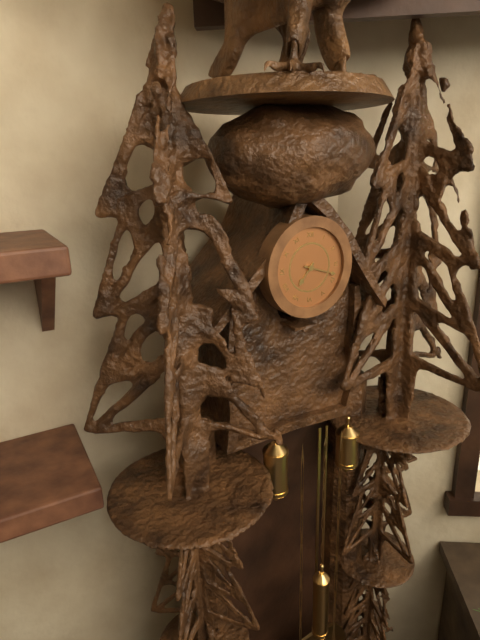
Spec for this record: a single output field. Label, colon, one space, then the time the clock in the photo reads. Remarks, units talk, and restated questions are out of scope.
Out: 7:18
